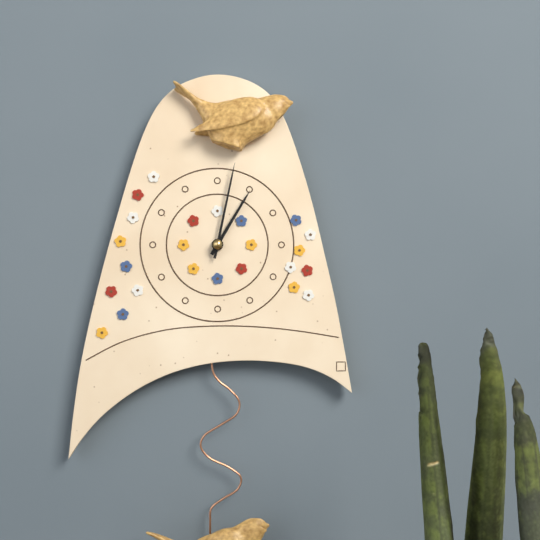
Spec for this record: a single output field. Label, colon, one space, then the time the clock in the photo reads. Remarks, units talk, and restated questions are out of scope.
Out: 1:02
